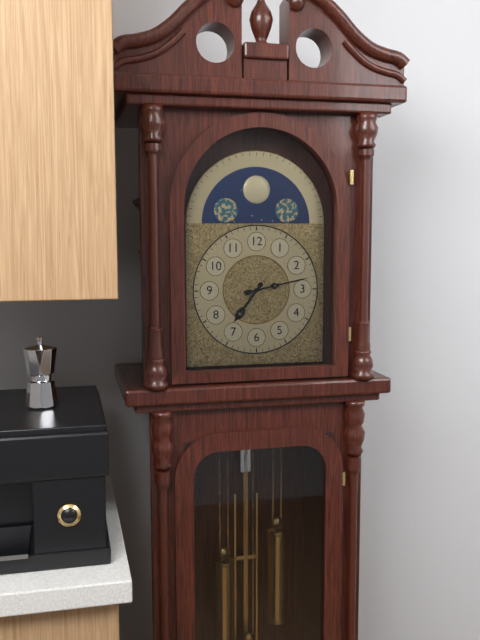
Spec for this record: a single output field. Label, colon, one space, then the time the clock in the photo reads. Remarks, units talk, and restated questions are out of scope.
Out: 7:13
